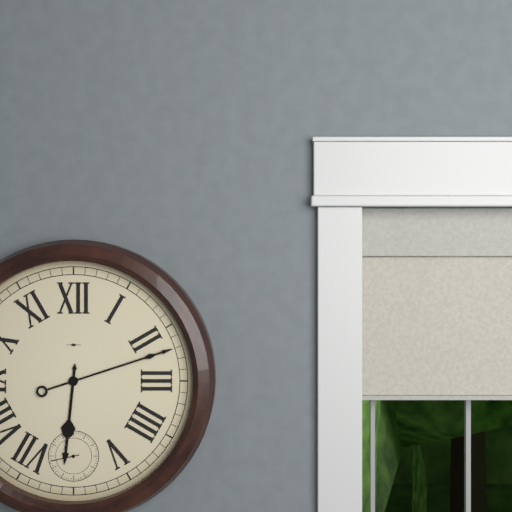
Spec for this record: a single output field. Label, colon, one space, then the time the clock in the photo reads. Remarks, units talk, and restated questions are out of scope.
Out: 6:12
